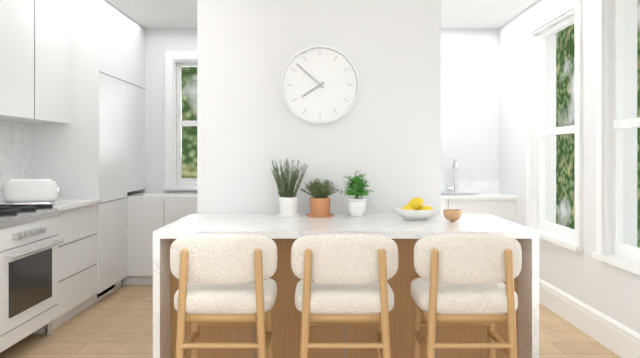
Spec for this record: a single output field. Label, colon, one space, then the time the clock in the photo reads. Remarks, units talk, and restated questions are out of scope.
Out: 7:52
